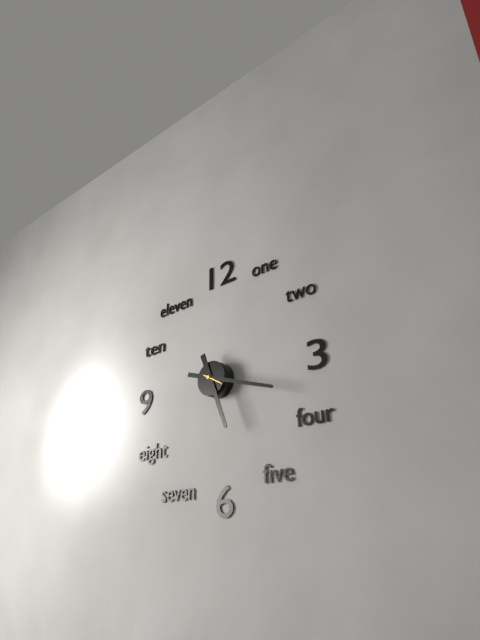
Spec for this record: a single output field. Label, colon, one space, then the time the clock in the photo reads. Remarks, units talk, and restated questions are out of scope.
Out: 5:18
